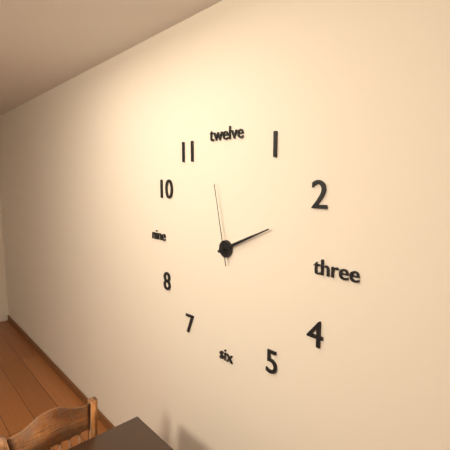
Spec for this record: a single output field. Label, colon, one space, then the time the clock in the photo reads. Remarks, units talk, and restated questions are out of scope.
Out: 2:11:58
